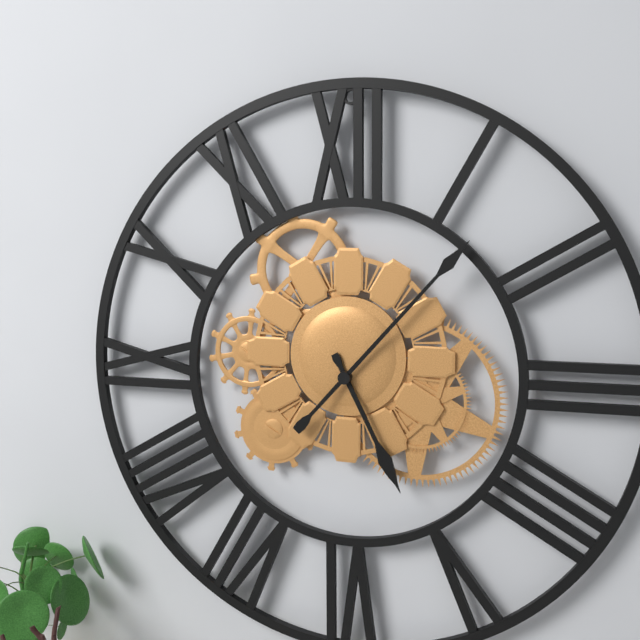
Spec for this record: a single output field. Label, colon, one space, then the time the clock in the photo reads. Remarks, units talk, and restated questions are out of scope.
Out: 5:07
